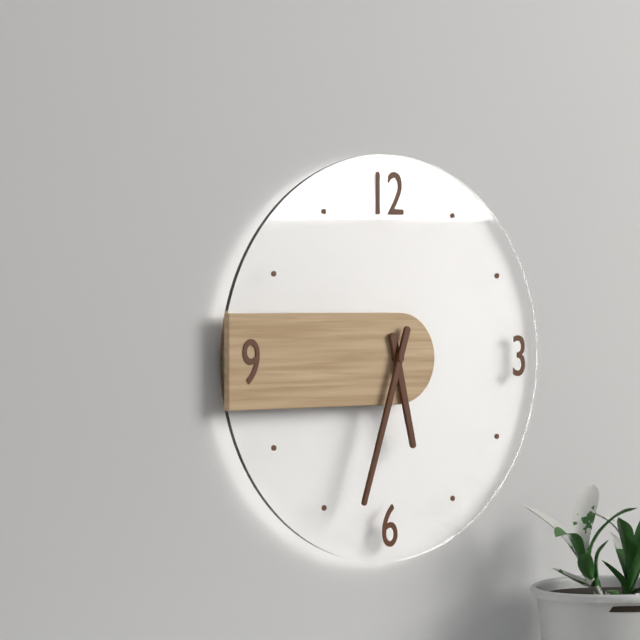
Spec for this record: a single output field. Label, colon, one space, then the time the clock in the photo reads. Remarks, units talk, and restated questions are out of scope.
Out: 5:33
